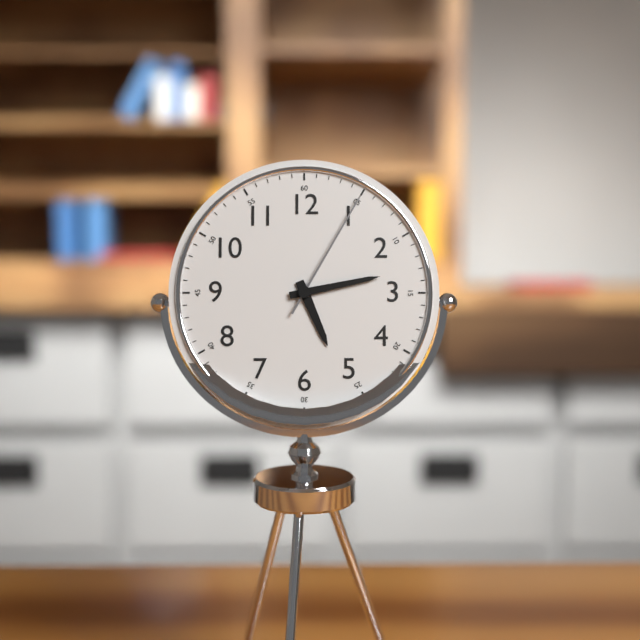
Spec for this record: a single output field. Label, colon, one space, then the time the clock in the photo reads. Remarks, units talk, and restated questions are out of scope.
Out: 5:13:05
